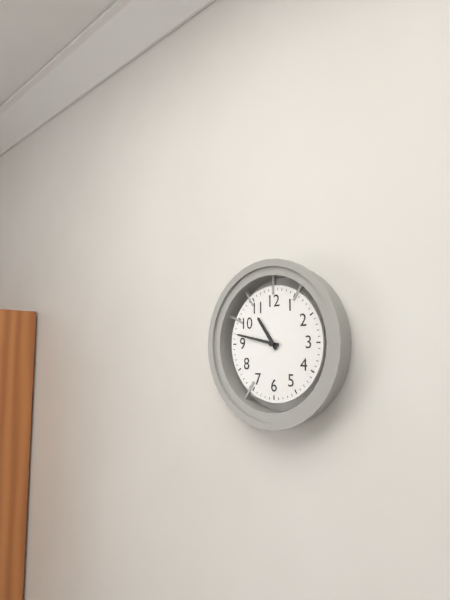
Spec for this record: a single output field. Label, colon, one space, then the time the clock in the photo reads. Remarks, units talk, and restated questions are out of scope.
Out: 10:47
